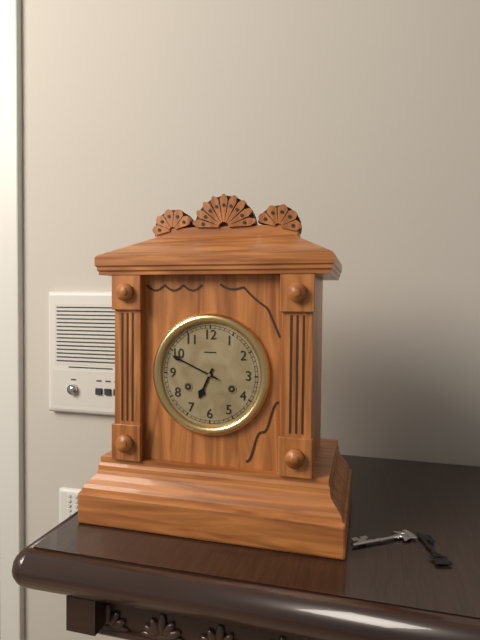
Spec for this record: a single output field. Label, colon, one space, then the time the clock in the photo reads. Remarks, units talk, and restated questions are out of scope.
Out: 6:49
